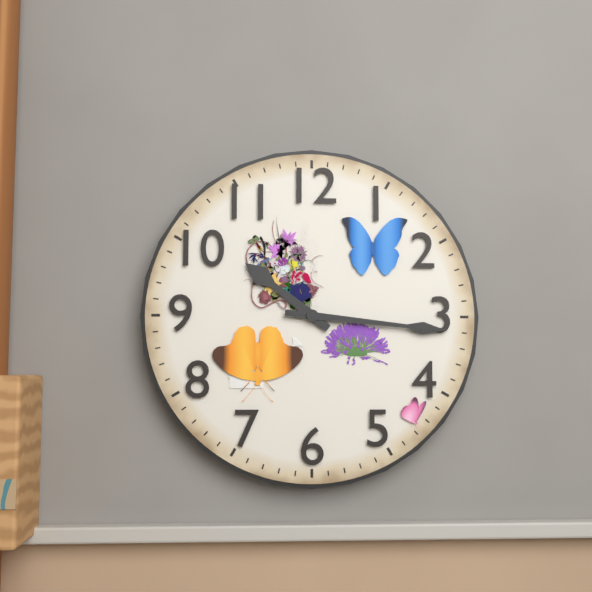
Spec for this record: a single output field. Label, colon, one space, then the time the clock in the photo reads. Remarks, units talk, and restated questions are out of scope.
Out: 10:16
